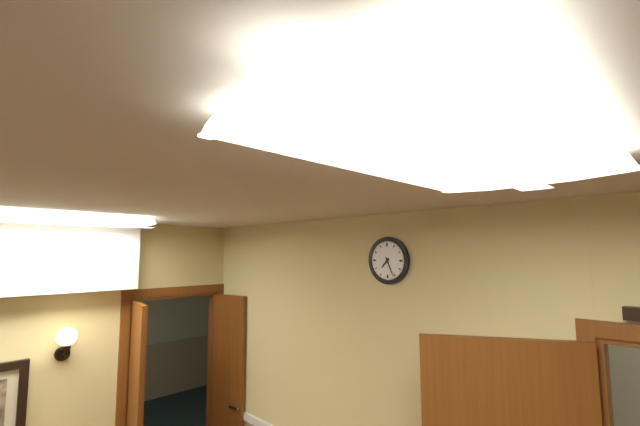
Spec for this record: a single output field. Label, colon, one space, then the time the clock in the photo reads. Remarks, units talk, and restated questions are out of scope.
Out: 7:26
